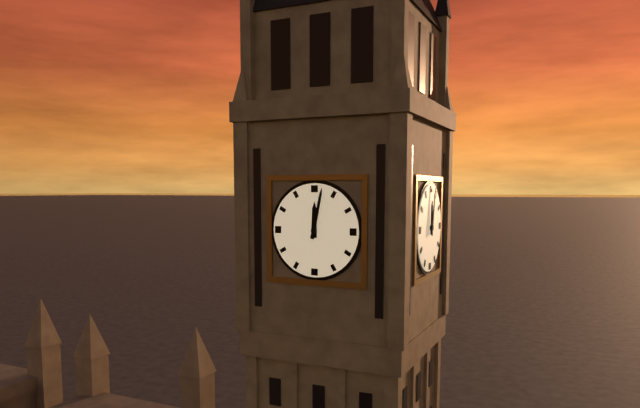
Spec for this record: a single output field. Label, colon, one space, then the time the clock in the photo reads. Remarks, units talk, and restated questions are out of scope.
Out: 12:02
